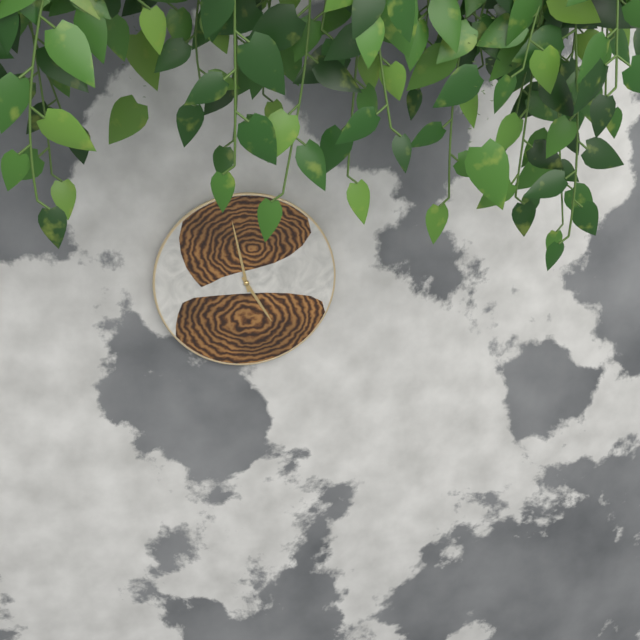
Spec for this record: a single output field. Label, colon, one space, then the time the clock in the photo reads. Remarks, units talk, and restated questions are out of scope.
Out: 4:58
